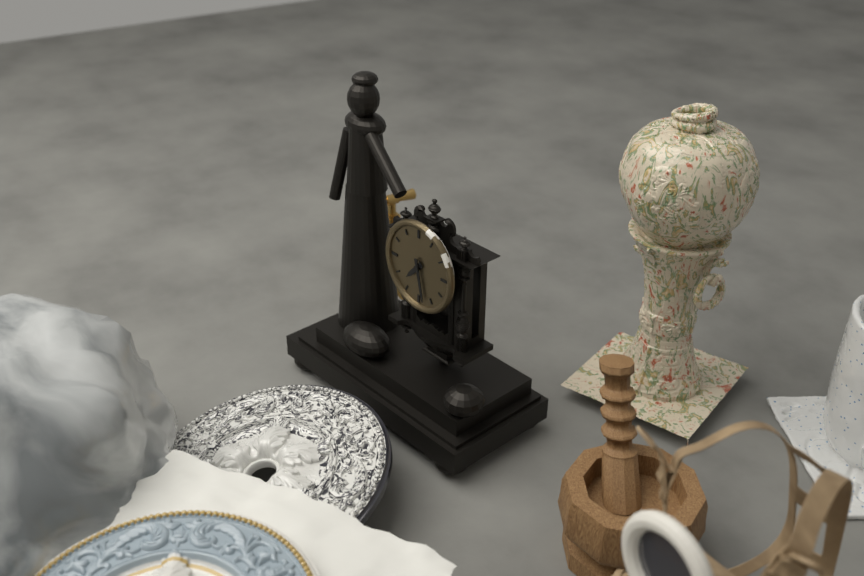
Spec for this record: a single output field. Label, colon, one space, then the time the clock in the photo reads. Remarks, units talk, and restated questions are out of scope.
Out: 7:28
